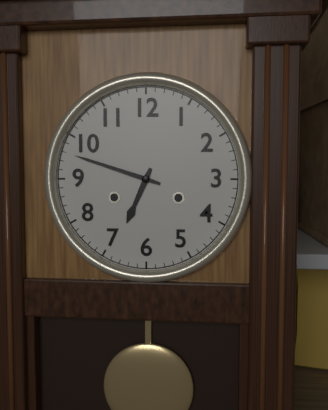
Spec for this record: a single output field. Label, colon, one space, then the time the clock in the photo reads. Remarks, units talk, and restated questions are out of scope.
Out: 6:48
